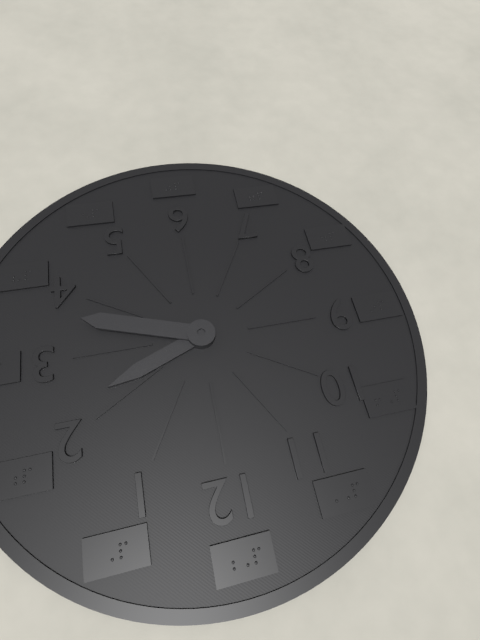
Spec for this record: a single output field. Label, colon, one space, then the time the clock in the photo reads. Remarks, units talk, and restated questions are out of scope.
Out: 2:18
